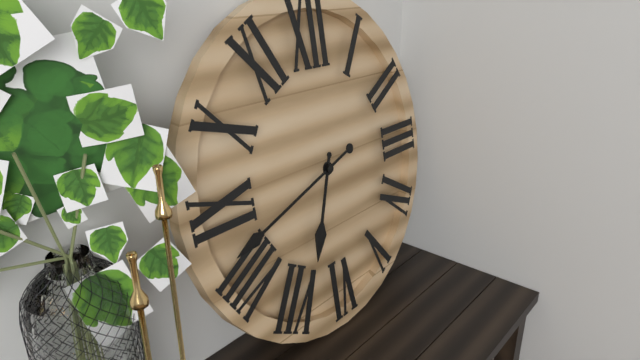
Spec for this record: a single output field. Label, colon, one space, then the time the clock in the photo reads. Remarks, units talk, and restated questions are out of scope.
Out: 6:42
